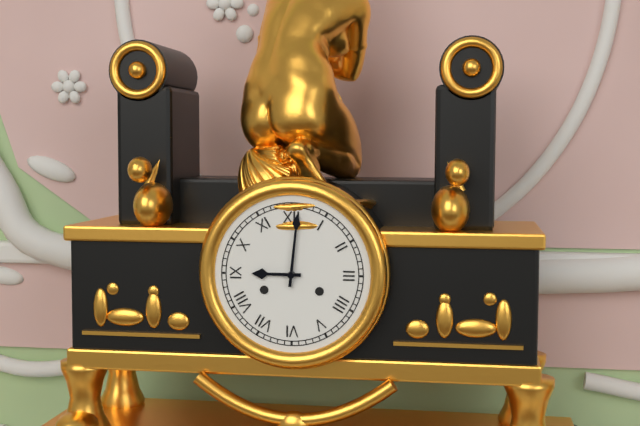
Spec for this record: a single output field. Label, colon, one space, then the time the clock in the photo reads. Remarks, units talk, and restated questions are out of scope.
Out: 9:01
